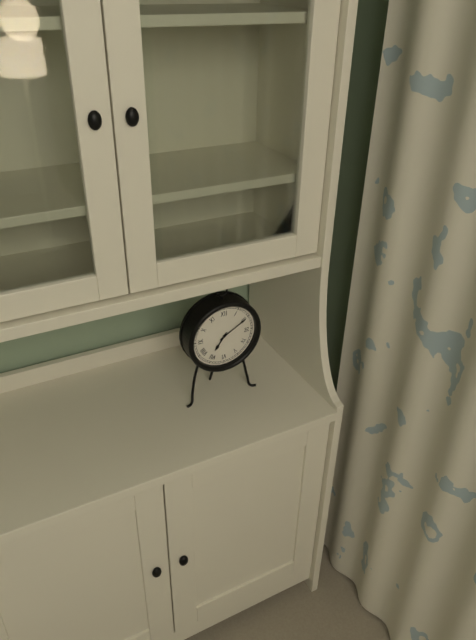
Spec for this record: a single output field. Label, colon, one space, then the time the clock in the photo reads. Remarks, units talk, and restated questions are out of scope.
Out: 7:10
